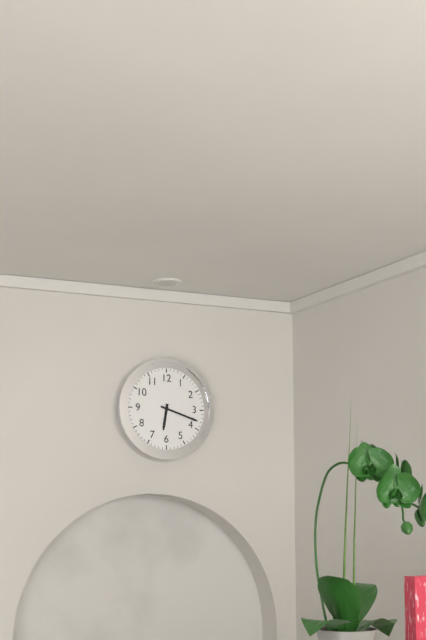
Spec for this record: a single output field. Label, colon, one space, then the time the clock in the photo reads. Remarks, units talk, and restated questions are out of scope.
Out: 6:18
